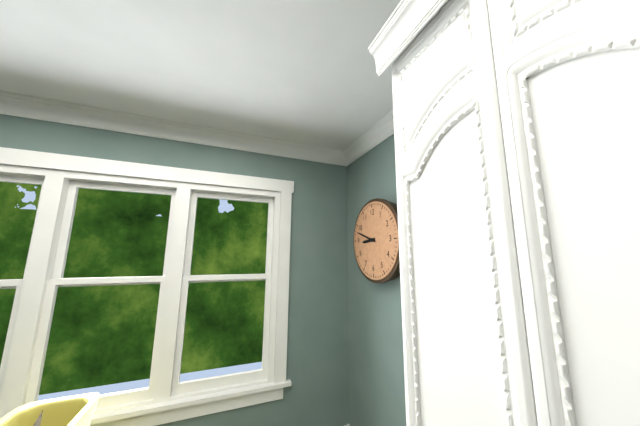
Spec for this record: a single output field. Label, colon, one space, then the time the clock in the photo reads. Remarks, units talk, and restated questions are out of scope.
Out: 8:48
